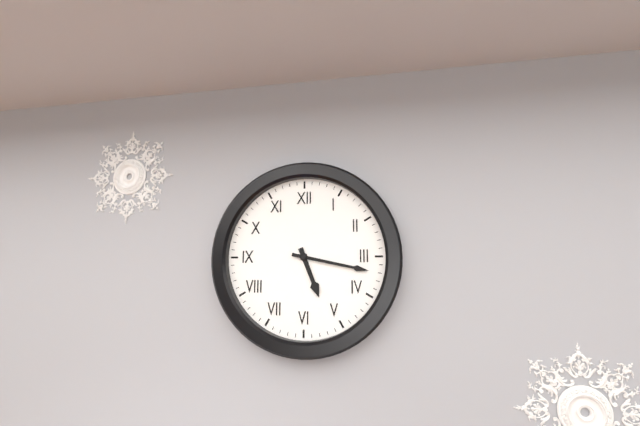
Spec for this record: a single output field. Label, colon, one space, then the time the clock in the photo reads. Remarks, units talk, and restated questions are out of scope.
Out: 5:17
